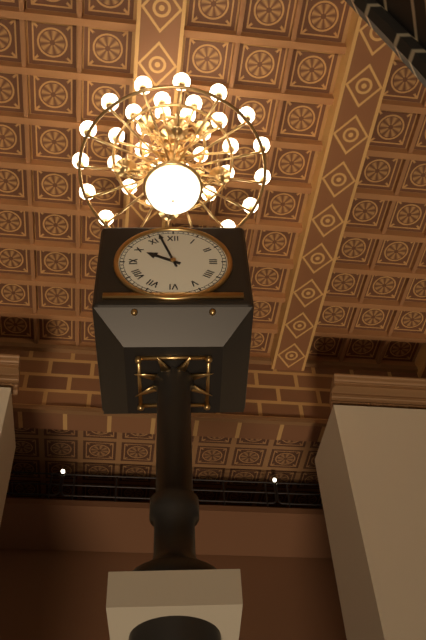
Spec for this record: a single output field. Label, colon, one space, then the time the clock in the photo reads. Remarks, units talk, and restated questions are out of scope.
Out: 9:57
